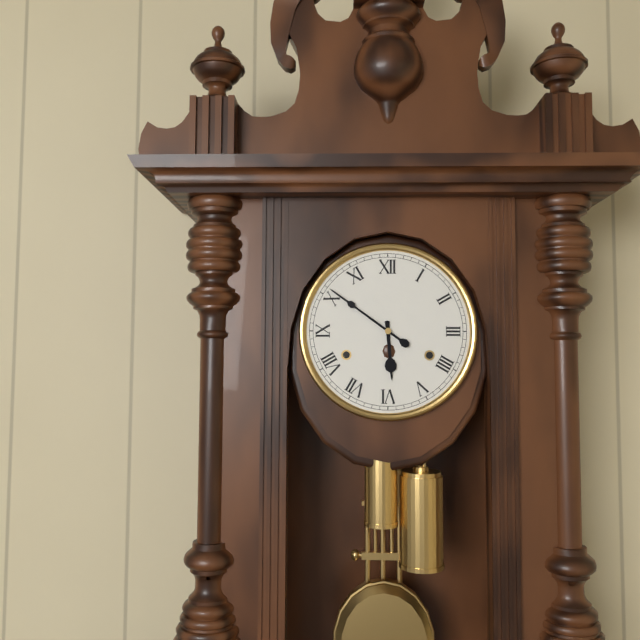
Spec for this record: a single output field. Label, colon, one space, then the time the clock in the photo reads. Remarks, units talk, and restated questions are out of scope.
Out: 5:51
